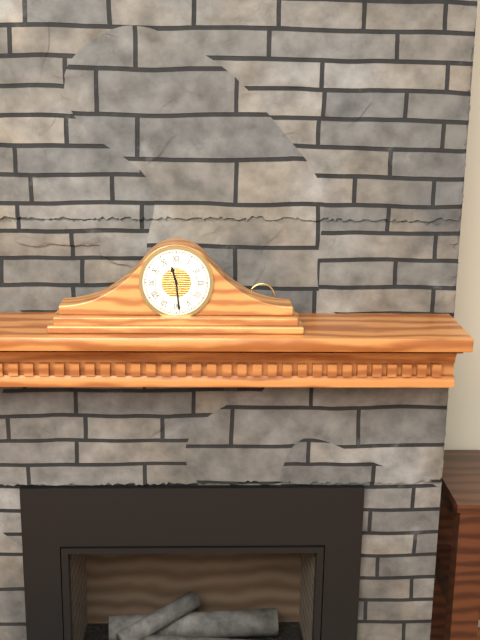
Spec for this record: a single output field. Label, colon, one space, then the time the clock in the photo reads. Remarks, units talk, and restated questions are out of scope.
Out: 11:29
